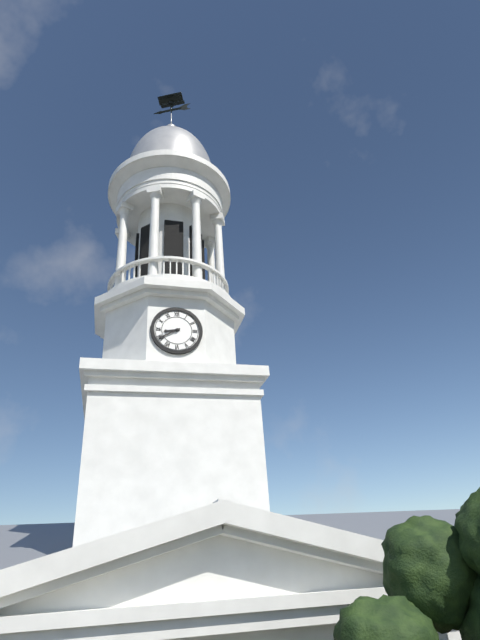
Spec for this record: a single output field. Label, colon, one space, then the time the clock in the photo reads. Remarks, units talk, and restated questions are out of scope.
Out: 8:40
